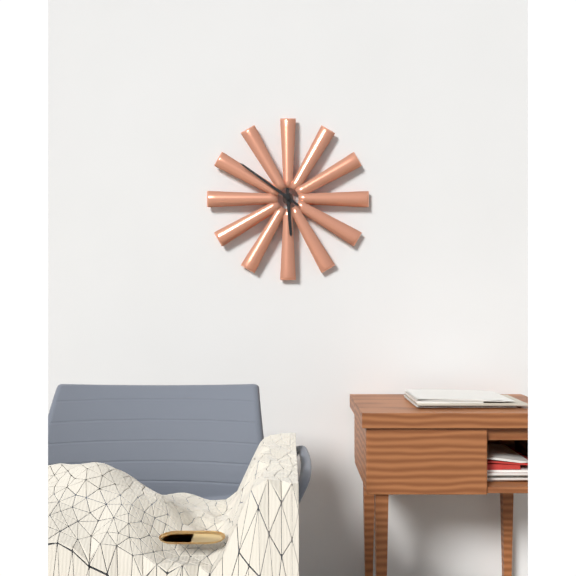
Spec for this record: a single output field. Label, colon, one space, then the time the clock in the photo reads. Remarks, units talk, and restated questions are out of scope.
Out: 5:51
